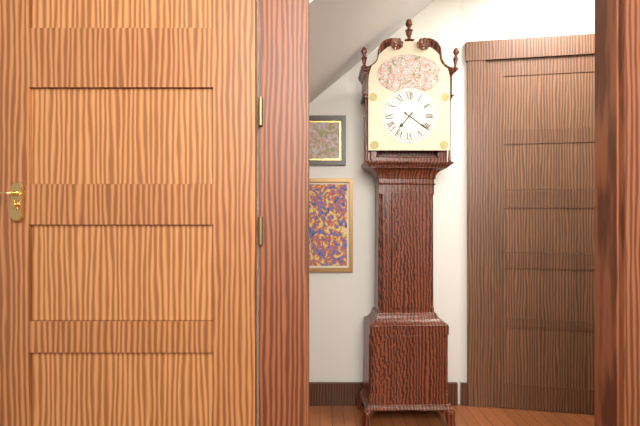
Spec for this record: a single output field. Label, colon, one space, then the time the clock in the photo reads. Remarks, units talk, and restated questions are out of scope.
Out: 7:21
